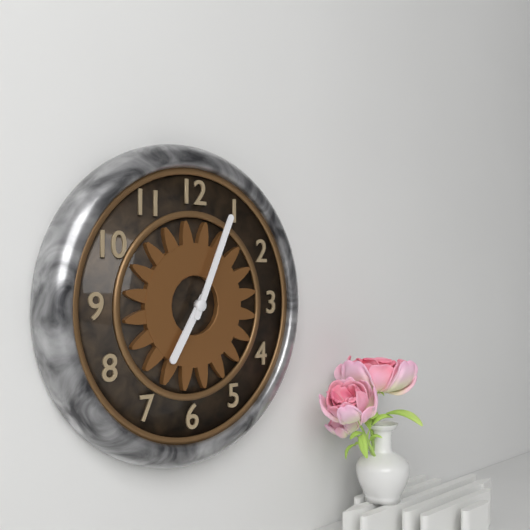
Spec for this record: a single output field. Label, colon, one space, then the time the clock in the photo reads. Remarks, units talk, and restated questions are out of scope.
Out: 7:04
